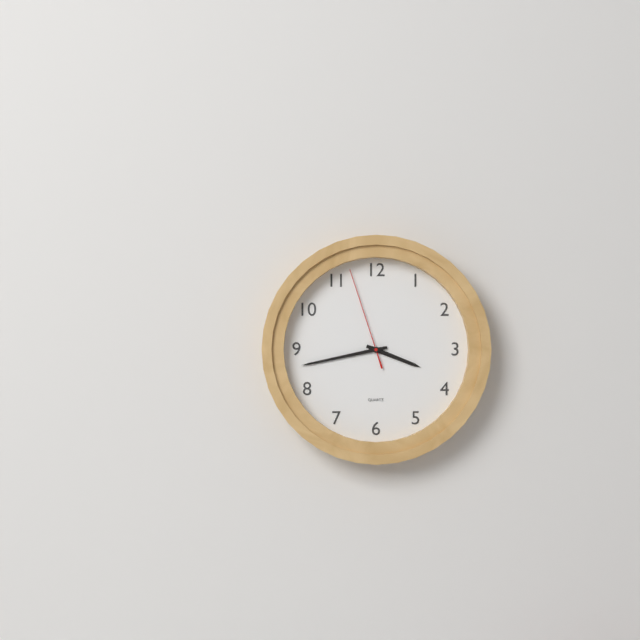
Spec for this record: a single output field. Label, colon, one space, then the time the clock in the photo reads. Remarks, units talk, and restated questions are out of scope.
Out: 3:43:57
